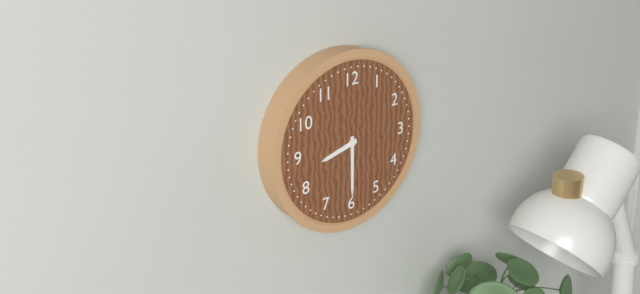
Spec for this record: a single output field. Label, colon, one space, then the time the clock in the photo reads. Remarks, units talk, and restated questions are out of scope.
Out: 8:30
